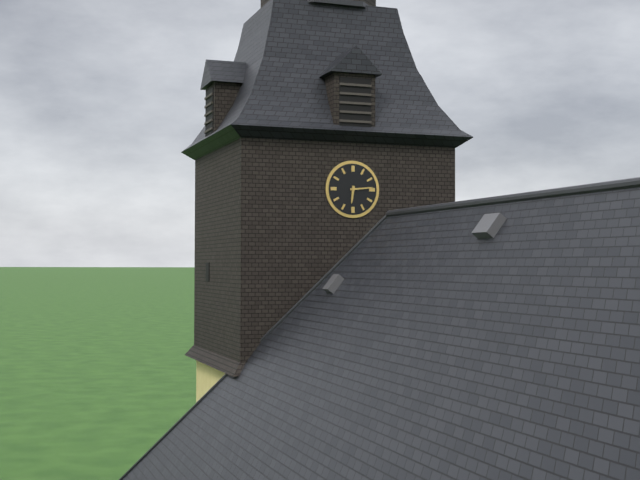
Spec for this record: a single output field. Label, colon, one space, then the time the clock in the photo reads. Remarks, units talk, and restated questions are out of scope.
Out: 6:14
